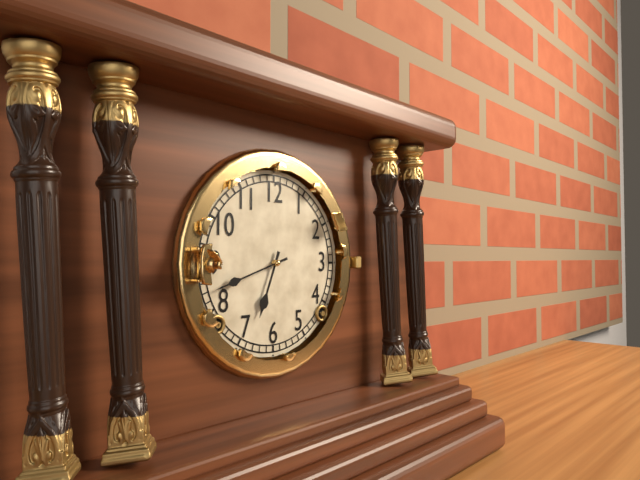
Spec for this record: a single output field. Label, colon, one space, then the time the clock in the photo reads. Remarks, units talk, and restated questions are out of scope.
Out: 6:42
